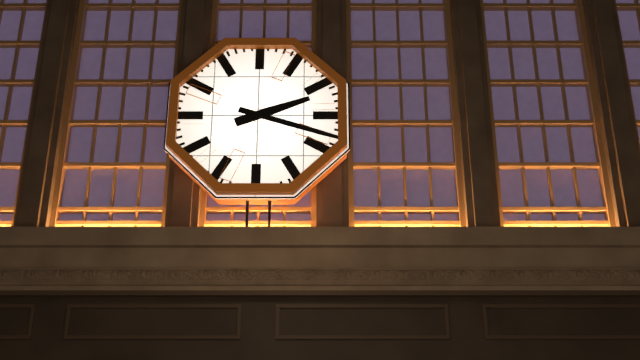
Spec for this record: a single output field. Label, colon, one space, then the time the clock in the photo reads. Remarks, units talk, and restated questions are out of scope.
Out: 2:18
